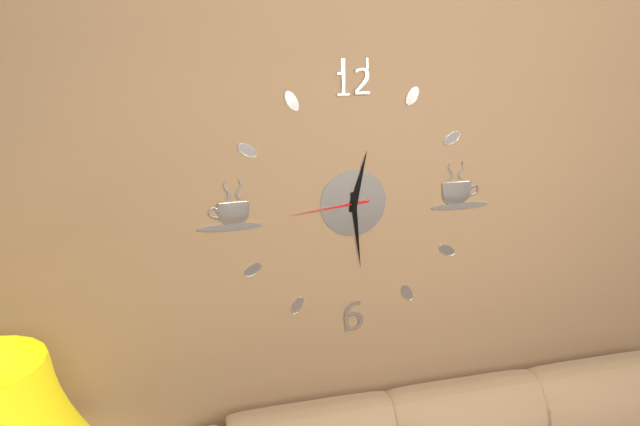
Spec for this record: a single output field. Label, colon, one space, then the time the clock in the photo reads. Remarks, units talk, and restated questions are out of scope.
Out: 12:29:44
